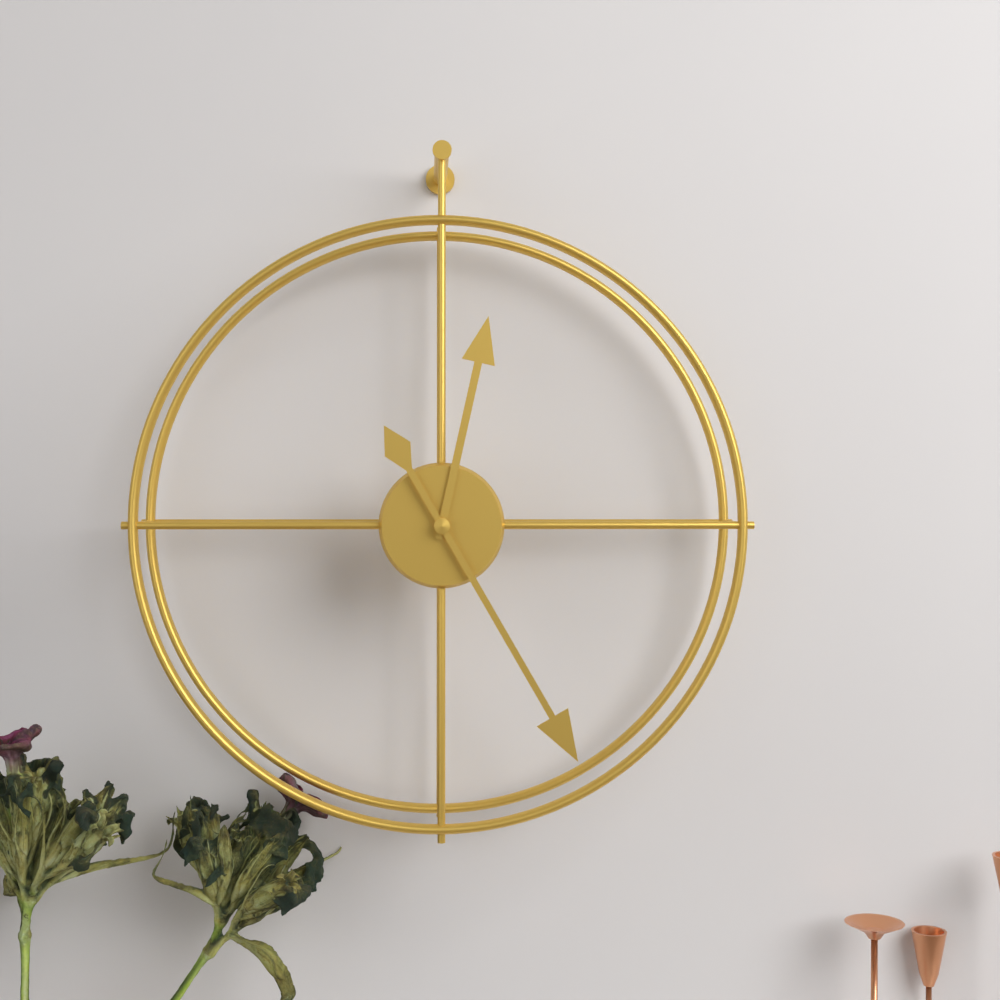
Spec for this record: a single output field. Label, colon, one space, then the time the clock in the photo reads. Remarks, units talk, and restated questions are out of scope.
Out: 12:25
